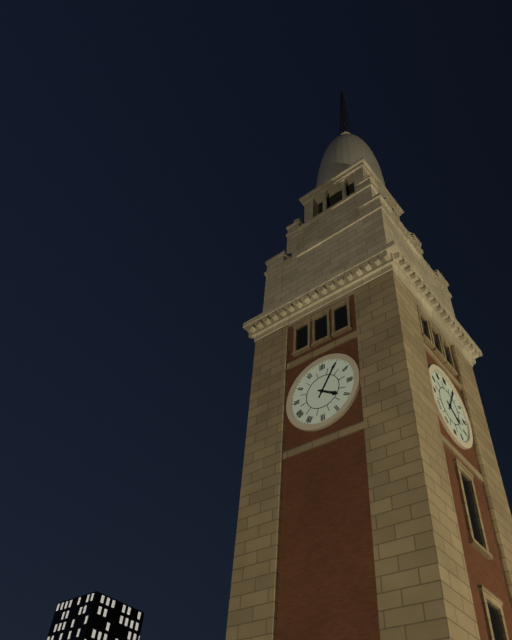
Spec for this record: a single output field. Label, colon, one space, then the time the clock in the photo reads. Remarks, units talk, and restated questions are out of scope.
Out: 4:05
